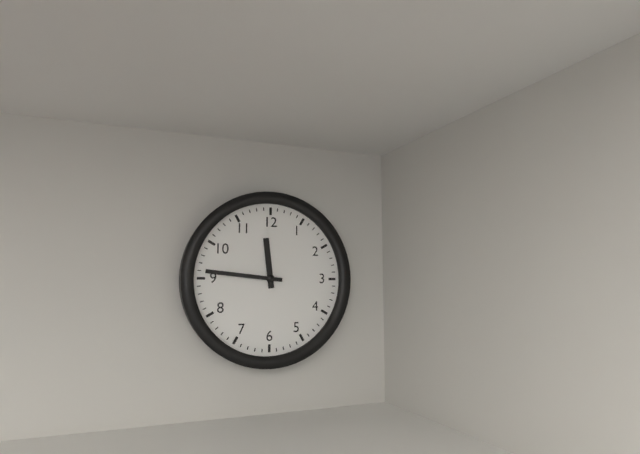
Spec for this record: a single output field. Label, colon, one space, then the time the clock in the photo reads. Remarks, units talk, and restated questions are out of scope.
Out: 11:46
